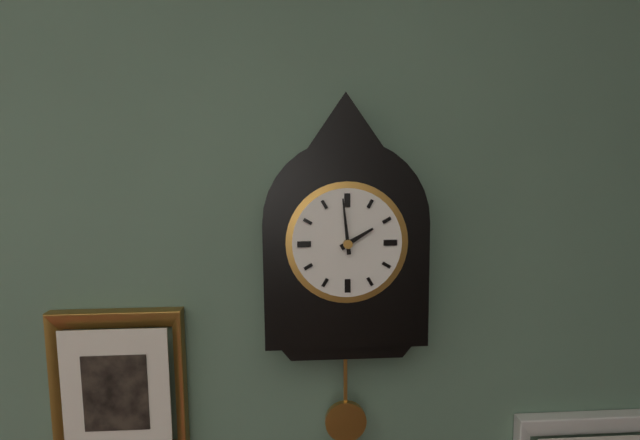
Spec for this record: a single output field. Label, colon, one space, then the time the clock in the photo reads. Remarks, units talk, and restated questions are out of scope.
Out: 1:59
